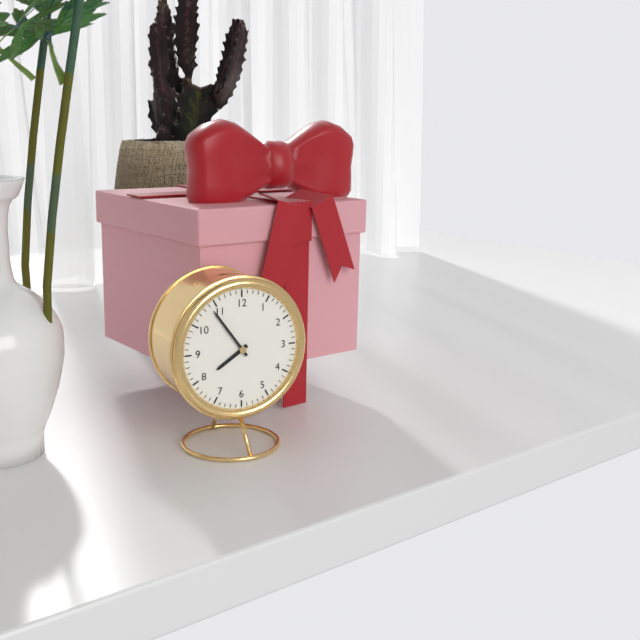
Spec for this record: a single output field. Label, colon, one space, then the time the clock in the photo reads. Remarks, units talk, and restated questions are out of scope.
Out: 7:54
